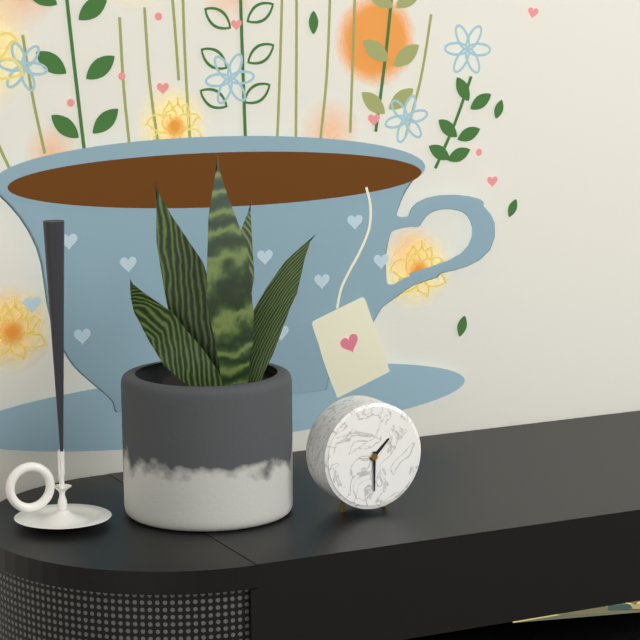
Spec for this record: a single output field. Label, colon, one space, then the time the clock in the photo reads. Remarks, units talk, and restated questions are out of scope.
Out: 1:30
